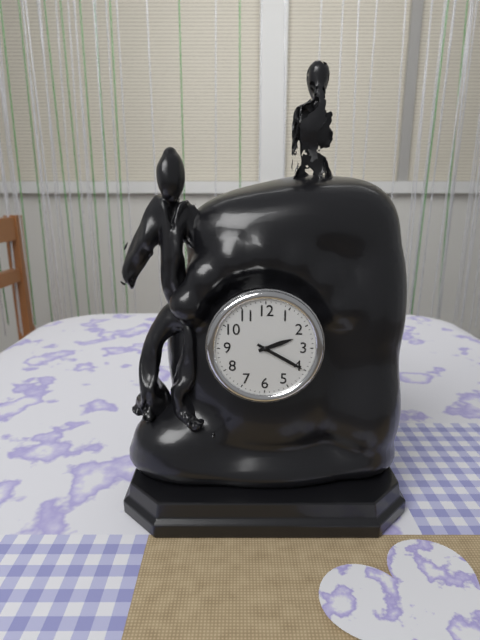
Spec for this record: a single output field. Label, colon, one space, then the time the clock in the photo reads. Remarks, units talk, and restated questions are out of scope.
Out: 2:20
